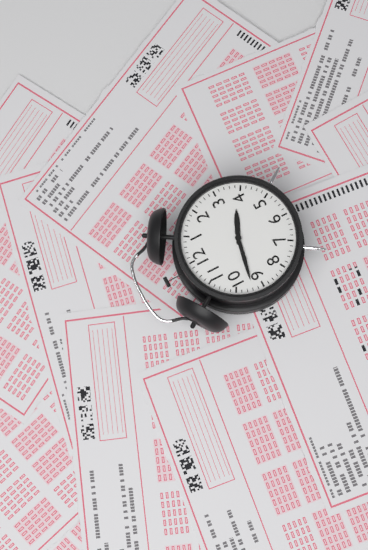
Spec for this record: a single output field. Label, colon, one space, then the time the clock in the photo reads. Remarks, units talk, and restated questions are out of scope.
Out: 3:47
